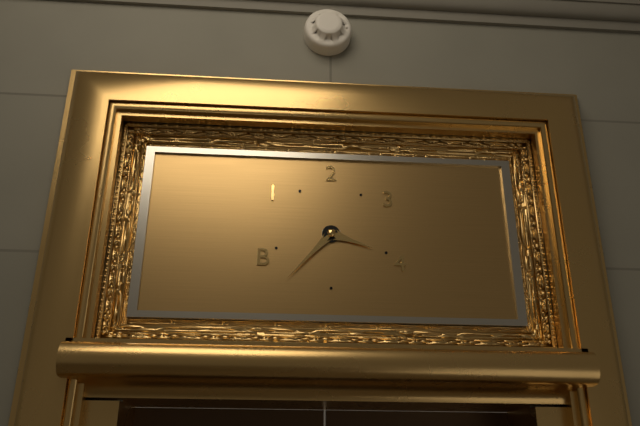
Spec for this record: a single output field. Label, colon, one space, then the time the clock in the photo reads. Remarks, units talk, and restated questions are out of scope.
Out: 3:37
